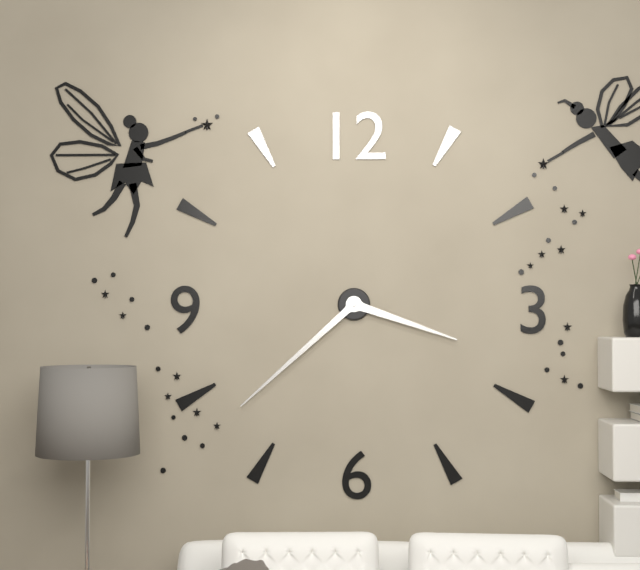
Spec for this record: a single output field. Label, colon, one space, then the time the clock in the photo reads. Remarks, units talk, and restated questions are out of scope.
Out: 3:38
